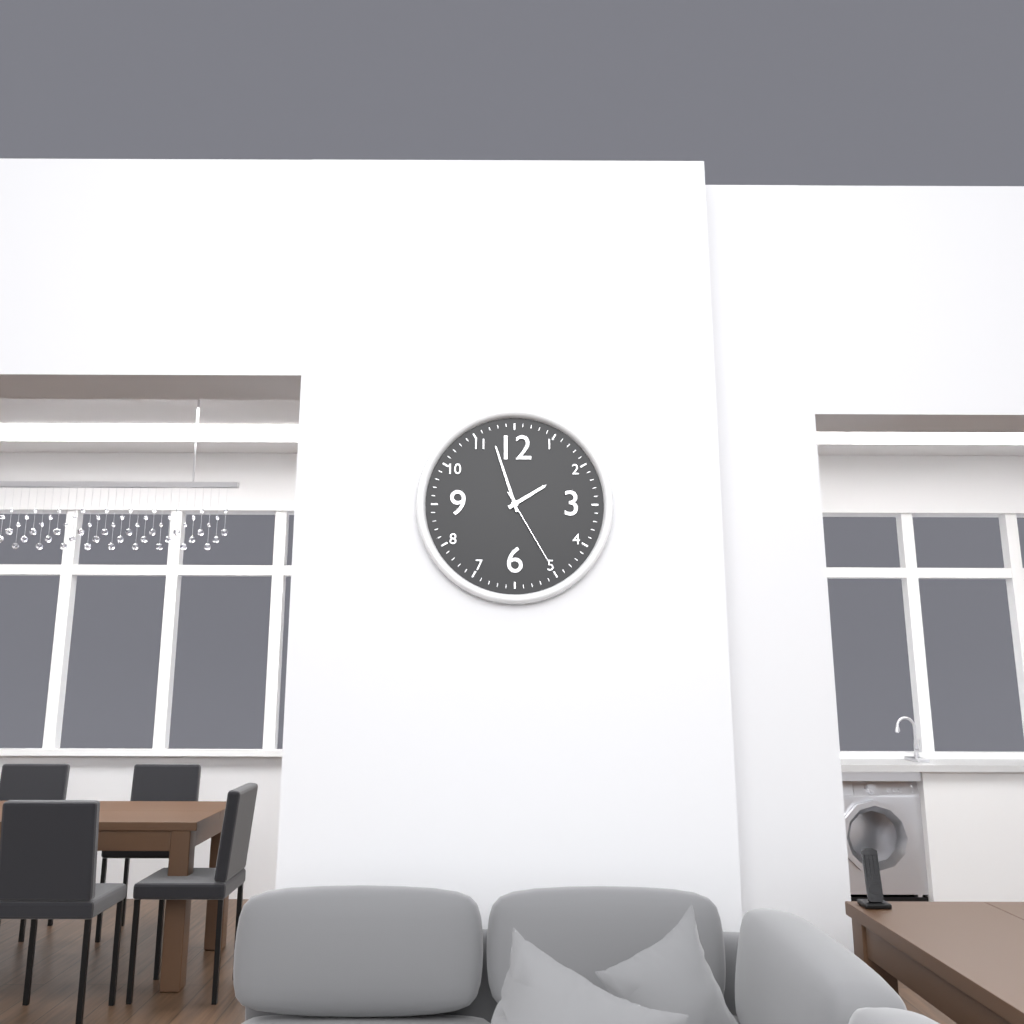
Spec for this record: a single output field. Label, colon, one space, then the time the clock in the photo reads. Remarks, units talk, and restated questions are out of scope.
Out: 1:57:25
